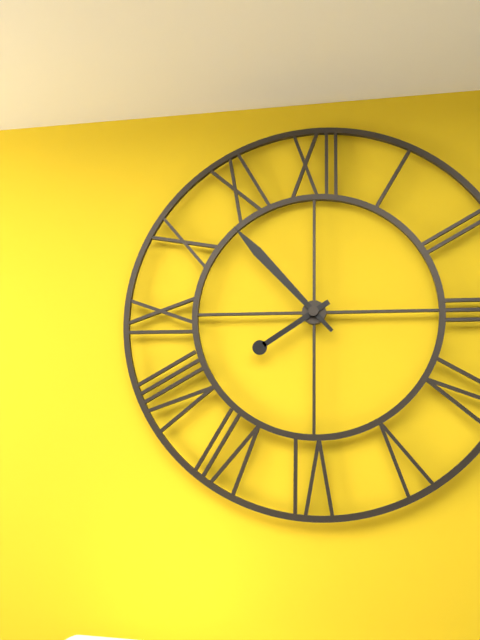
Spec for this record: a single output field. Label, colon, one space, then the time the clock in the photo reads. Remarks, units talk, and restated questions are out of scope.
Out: 7:53
